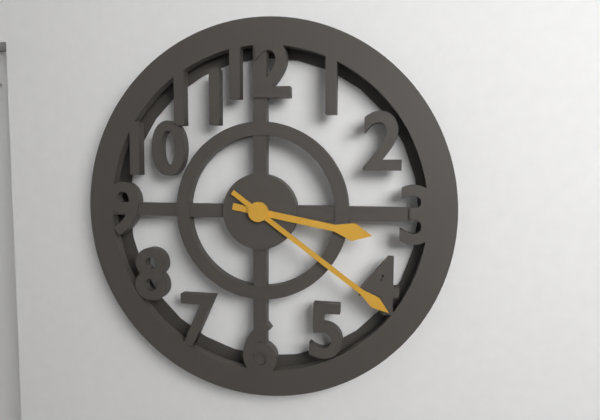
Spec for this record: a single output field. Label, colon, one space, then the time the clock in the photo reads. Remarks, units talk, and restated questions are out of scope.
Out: 3:21
